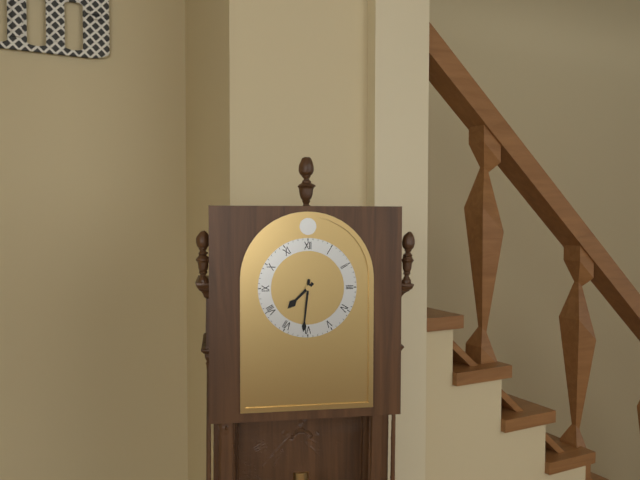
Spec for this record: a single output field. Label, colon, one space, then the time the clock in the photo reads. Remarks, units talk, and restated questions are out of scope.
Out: 7:31
